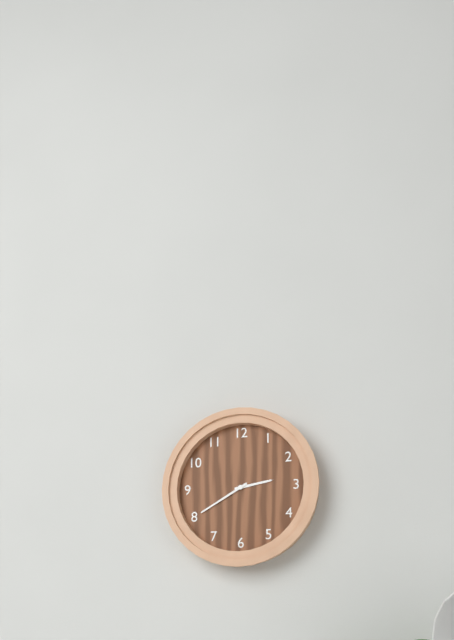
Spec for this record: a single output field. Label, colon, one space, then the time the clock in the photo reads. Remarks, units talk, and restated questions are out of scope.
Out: 2:40
